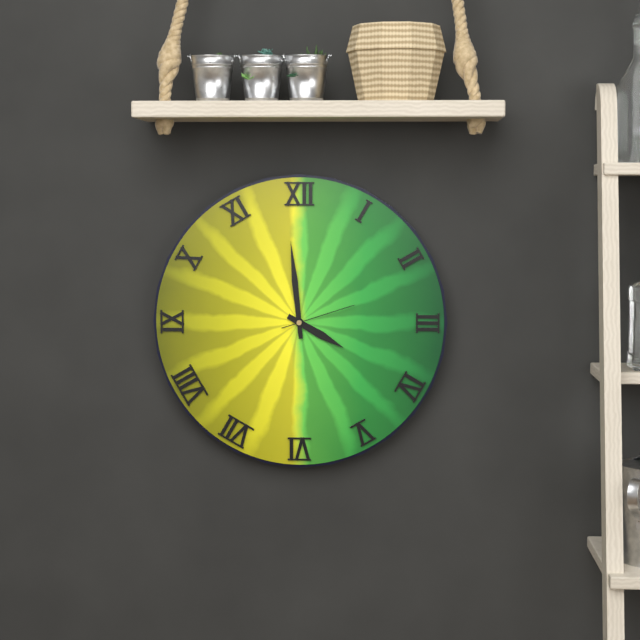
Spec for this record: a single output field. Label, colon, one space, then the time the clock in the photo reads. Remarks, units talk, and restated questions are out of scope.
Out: 3:59:12
